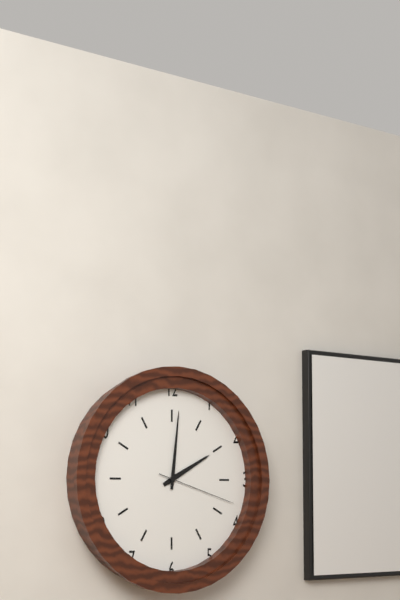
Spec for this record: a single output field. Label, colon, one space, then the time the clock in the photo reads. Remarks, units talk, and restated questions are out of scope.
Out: 2:01:18
